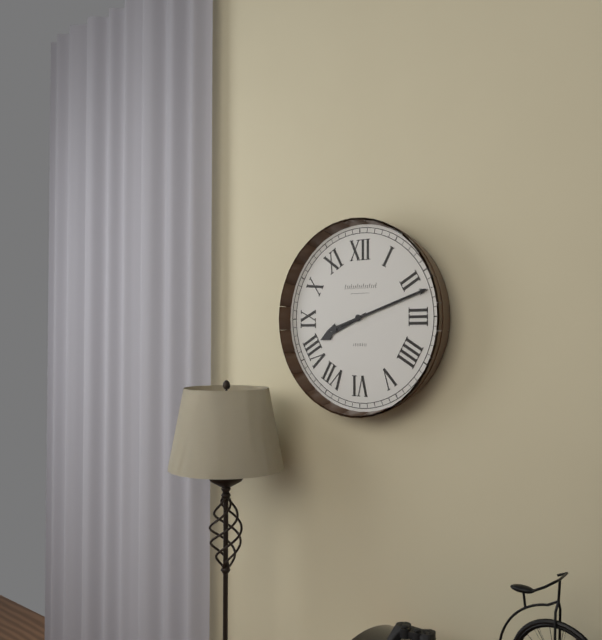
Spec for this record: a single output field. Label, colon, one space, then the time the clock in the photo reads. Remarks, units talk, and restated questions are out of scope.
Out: 8:12
